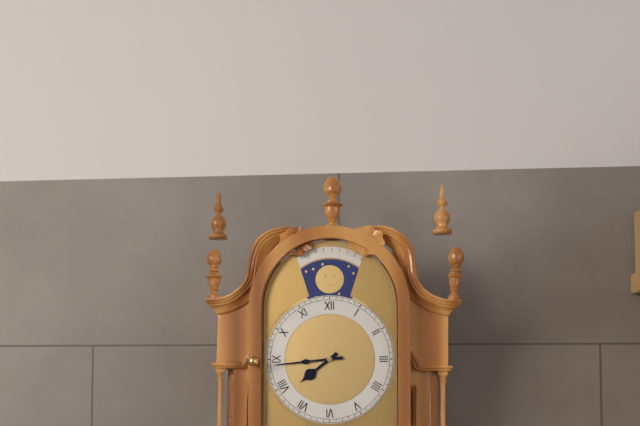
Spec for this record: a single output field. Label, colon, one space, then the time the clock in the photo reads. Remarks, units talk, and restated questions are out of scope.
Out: 7:44
